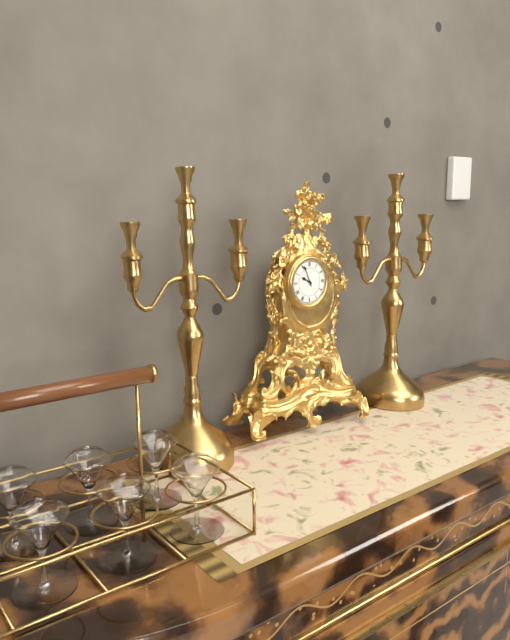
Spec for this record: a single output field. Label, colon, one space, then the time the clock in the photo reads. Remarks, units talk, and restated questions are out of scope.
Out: 9:56
